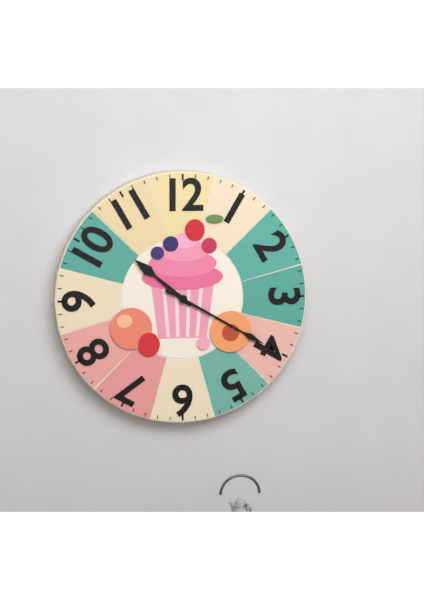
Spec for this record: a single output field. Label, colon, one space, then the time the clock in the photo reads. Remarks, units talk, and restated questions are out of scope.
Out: 10:20
